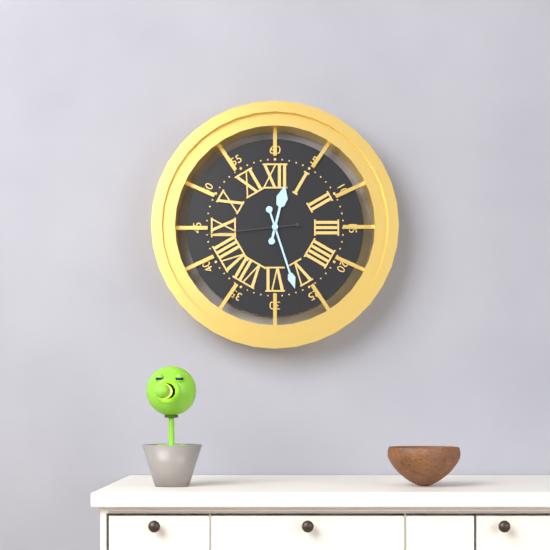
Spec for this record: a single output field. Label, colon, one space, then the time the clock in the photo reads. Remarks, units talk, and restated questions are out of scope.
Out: 12:27:44
